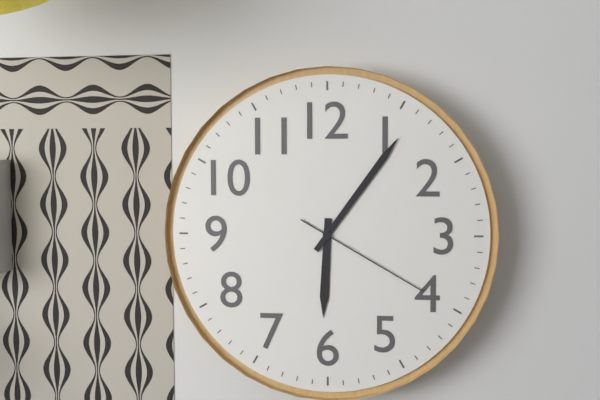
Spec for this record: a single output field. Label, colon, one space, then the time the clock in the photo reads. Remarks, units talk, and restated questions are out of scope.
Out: 6:06:20
